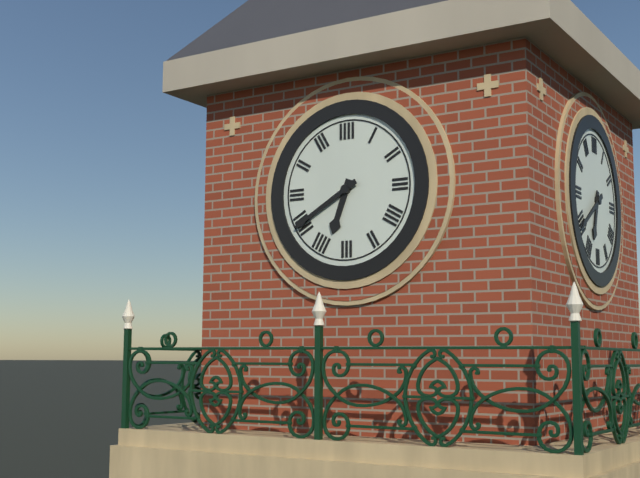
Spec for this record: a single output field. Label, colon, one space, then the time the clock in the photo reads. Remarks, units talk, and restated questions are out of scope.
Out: 6:40
